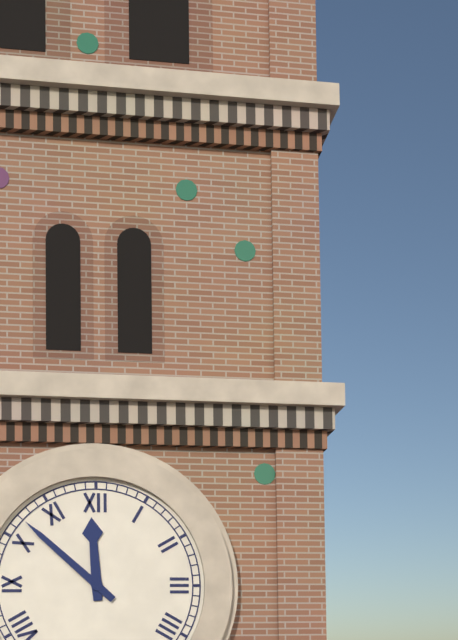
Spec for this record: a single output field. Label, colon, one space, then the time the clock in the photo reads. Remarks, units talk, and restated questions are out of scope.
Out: 11:52
